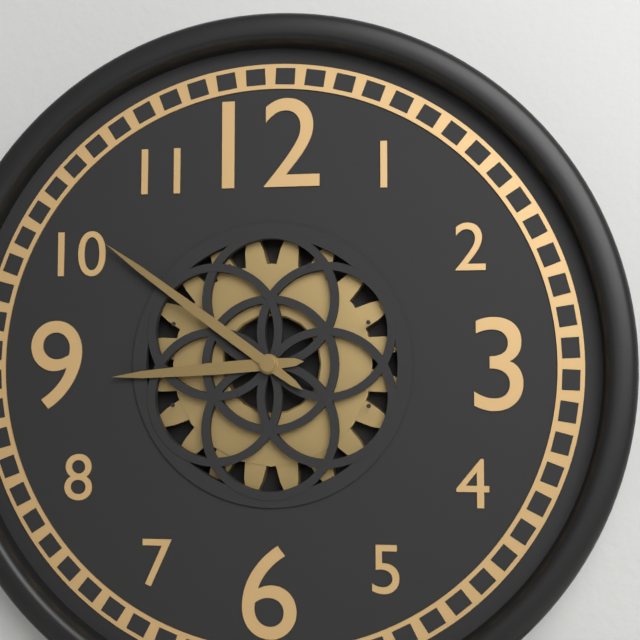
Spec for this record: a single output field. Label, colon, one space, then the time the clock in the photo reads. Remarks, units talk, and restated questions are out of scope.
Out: 8:51
